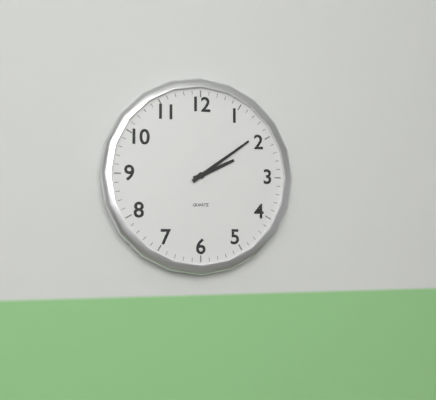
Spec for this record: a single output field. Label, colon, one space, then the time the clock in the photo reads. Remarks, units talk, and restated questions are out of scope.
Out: 2:09
